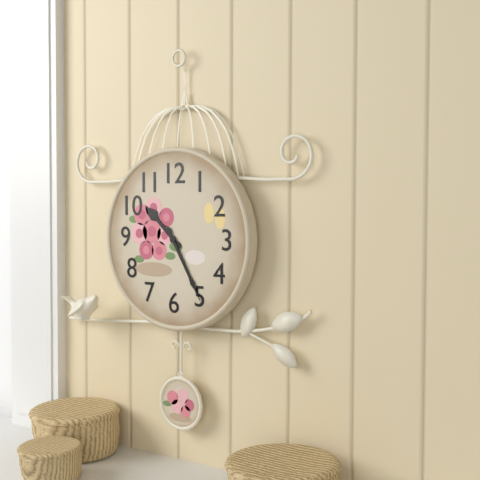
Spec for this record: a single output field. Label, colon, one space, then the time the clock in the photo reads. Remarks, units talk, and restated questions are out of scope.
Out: 10:25
